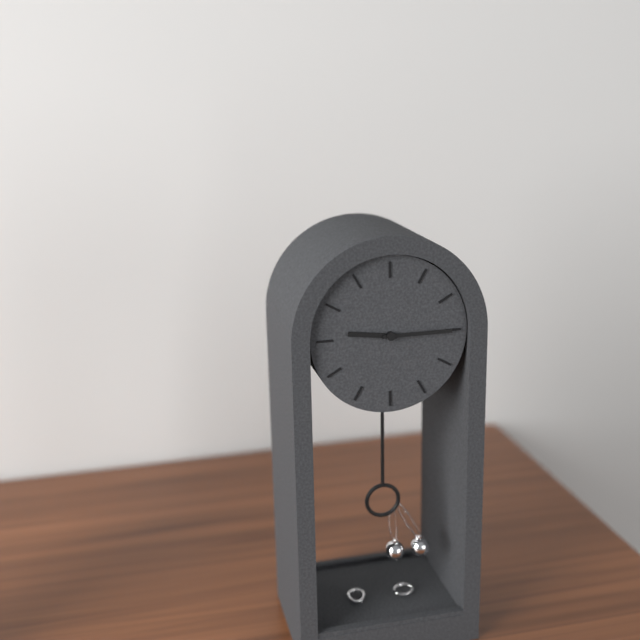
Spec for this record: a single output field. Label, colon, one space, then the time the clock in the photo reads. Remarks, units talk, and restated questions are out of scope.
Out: 9:15
